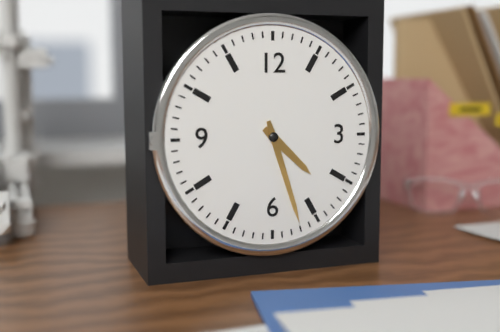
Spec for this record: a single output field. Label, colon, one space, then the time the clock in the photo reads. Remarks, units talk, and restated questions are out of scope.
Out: 4:27
